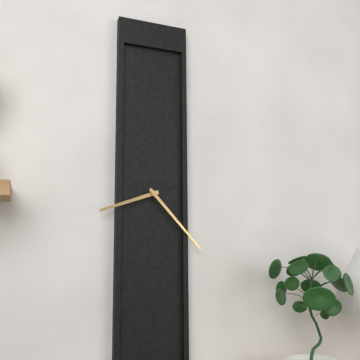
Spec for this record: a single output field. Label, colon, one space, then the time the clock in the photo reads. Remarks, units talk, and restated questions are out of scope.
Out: 8:23
